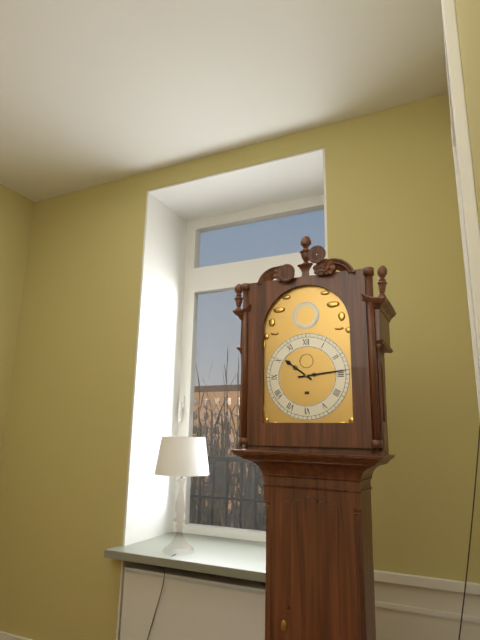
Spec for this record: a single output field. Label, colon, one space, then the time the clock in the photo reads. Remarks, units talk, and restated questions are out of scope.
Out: 10:14
